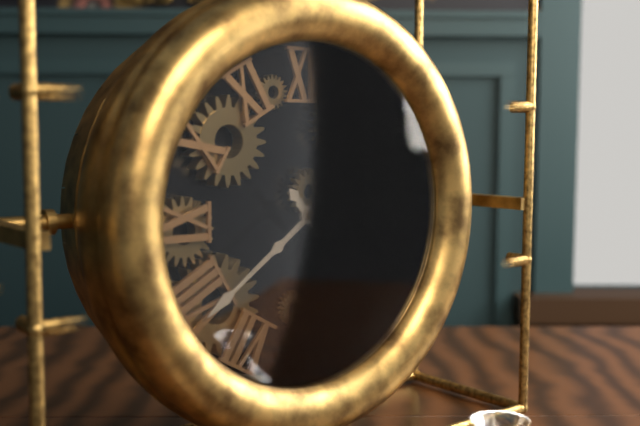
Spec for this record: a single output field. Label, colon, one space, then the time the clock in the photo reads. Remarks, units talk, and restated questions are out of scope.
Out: 4:39
